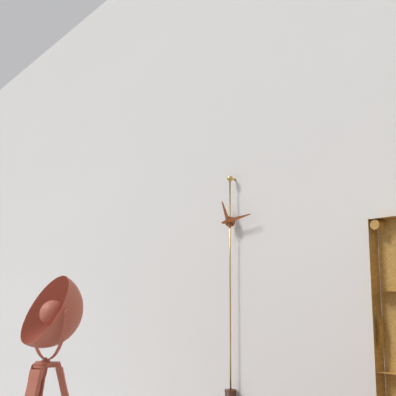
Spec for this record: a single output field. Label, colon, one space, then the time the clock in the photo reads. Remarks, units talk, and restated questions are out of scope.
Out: 11:14
